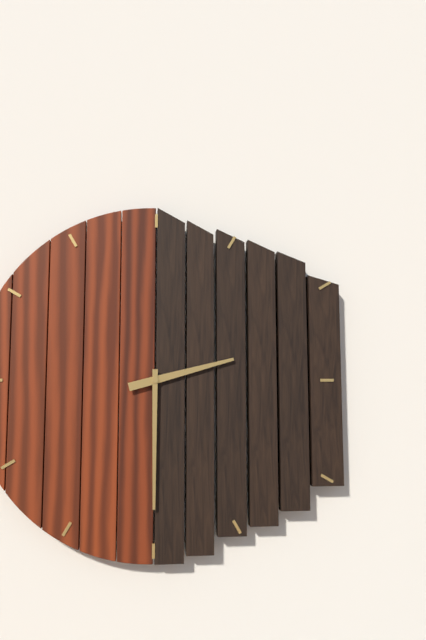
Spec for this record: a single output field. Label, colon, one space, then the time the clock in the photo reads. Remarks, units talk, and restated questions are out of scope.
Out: 2:30
